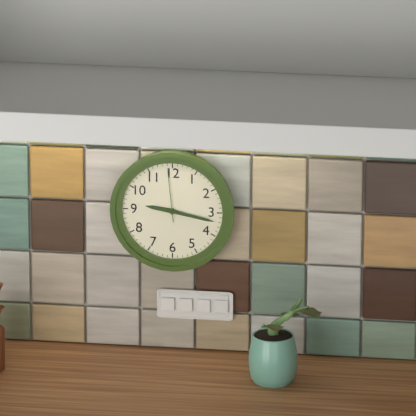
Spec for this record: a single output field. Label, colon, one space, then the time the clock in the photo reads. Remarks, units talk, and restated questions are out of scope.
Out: 9:17:59
